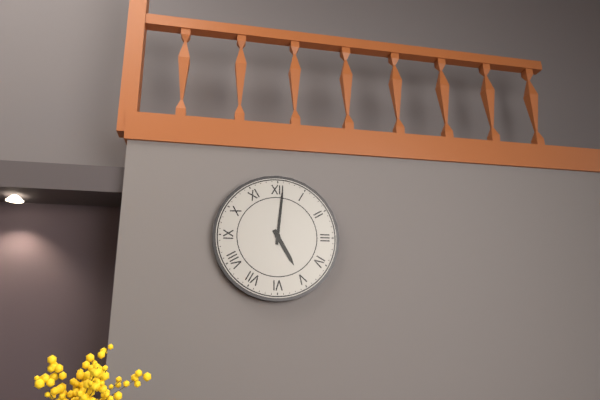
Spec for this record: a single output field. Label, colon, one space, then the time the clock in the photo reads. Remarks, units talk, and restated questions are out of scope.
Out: 5:01
